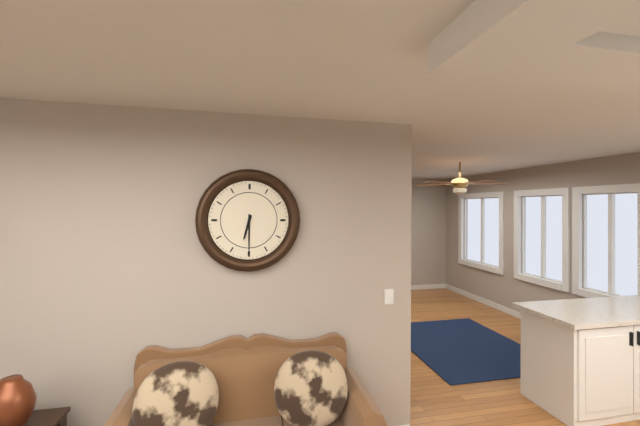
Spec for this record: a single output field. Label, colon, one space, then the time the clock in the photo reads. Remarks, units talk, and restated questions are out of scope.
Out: 6:30
